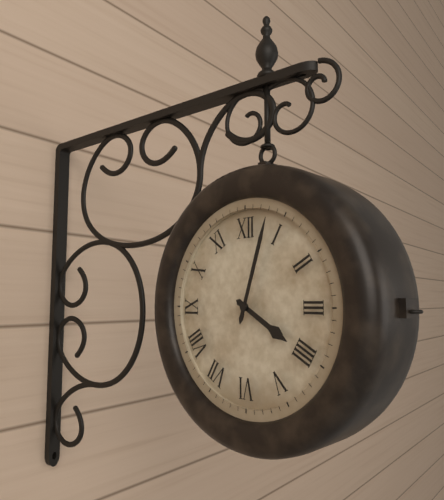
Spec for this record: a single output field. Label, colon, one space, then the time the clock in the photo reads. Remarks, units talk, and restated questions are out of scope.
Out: 4:03
